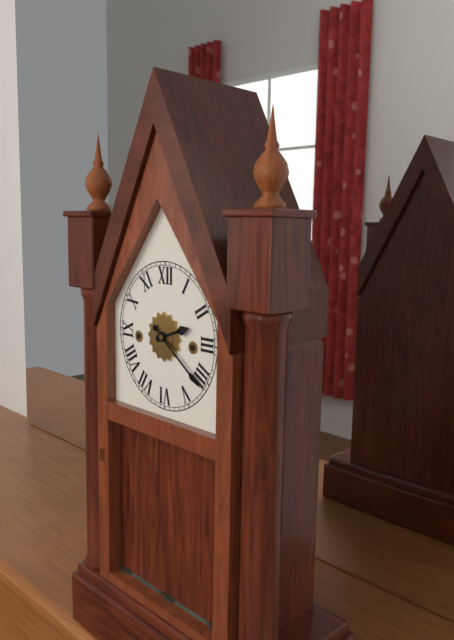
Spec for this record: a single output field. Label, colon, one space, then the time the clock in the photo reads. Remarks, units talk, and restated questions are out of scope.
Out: 2:21
